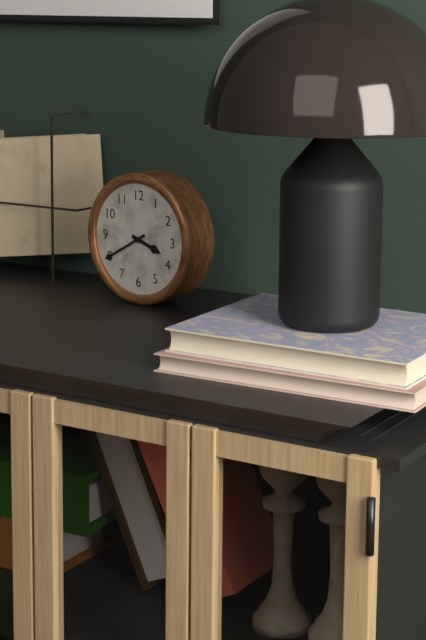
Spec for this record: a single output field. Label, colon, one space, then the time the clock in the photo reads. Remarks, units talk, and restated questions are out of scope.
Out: 3:40
